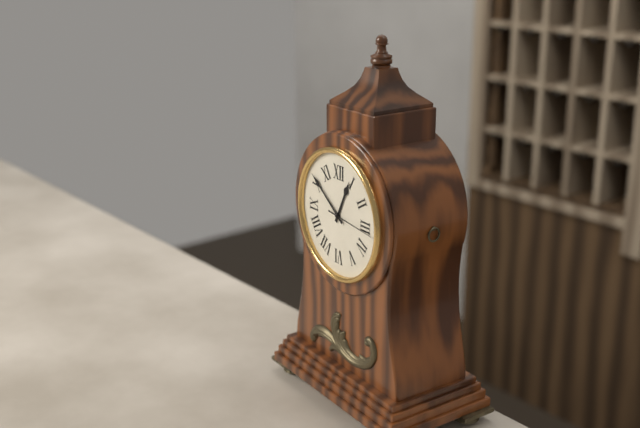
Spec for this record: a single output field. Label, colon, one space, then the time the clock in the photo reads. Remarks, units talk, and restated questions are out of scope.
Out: 12:51
